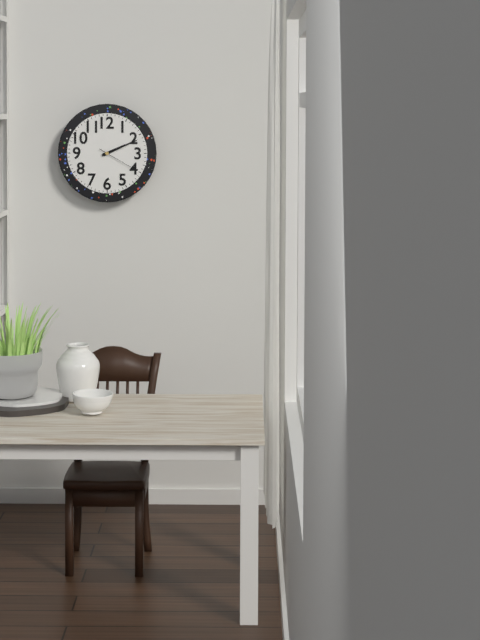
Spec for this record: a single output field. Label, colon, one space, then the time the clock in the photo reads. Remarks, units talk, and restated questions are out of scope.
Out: 2:11
